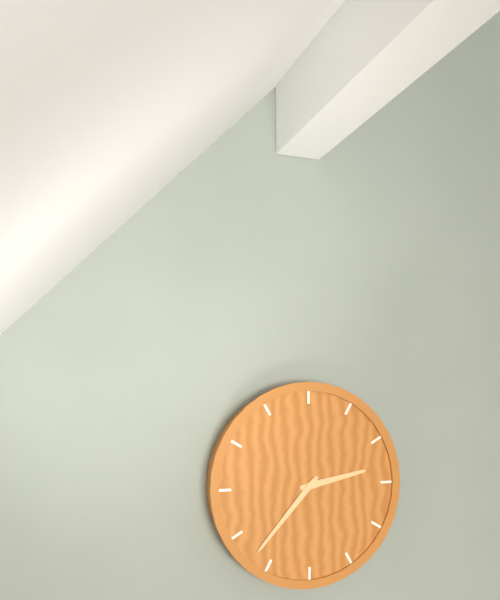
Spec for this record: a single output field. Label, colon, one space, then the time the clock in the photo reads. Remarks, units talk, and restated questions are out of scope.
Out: 2:37
